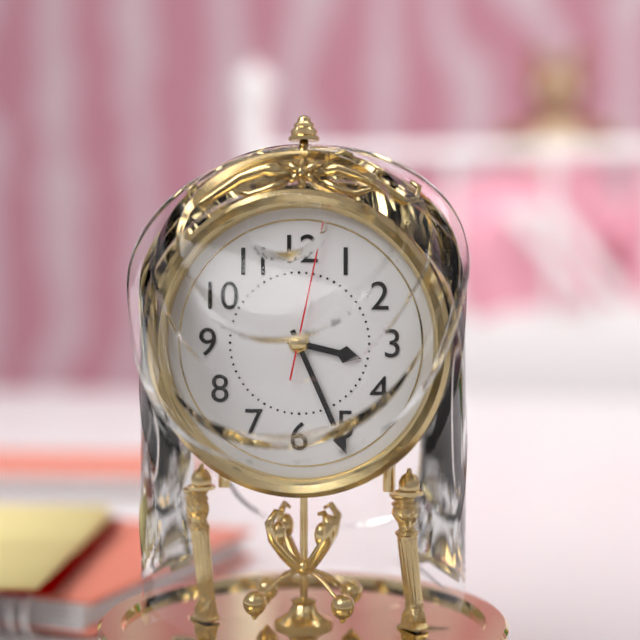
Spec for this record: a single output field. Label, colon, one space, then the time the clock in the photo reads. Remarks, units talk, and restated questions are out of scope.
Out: 3:26:02
